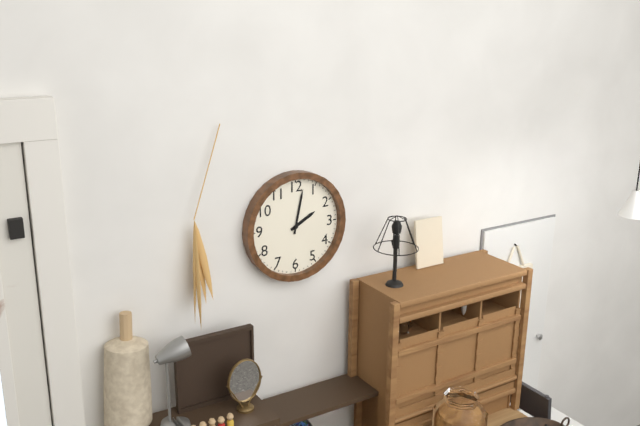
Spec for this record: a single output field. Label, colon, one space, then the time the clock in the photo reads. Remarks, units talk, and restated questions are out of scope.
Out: 2:02
